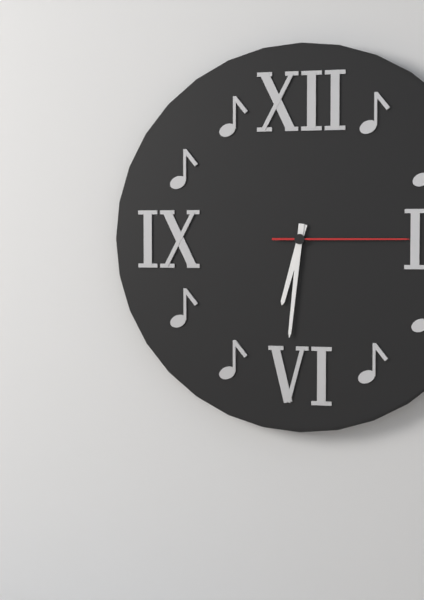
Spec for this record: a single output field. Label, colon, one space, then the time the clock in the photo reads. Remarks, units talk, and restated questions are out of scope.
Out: 6:31:15
